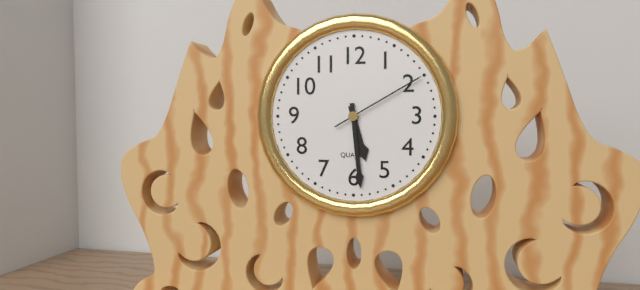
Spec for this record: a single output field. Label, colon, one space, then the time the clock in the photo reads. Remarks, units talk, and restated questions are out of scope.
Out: 5:29:10
